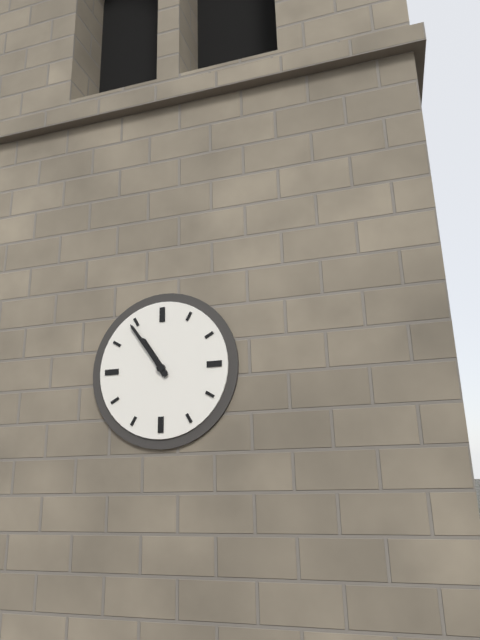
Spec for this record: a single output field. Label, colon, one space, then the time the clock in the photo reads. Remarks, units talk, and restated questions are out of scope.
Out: 10:54
